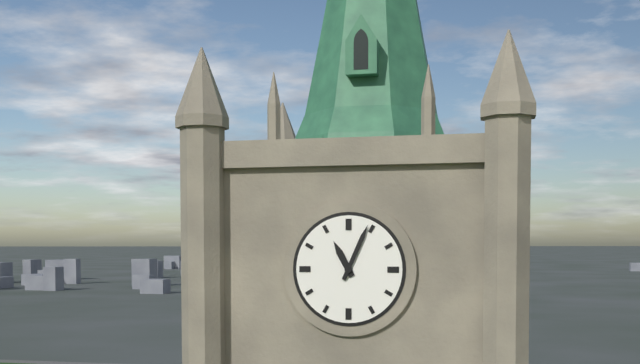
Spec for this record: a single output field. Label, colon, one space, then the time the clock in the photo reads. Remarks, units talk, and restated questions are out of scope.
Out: 11:04
